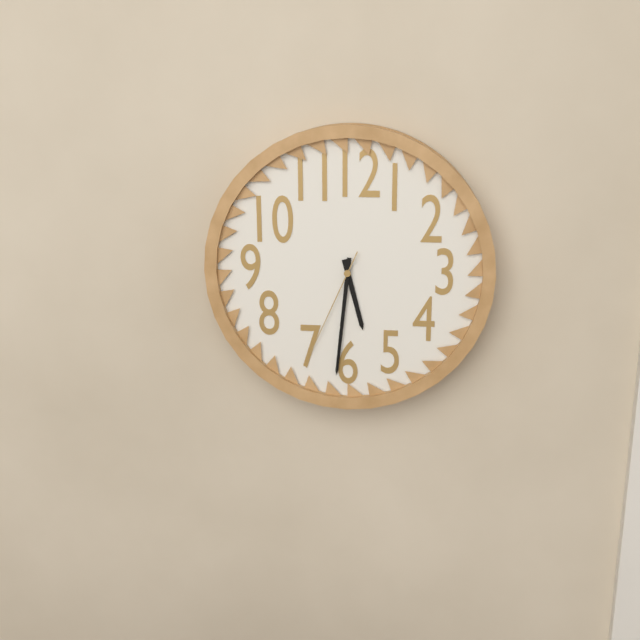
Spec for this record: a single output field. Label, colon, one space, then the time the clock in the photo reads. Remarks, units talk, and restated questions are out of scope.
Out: 5:31:34
